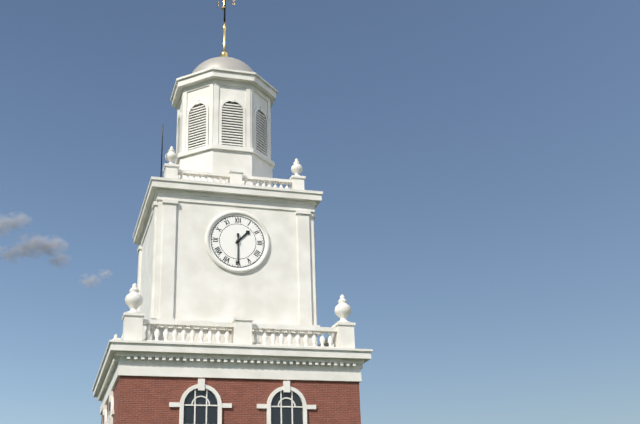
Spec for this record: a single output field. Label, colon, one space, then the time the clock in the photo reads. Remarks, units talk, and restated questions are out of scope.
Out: 1:30
